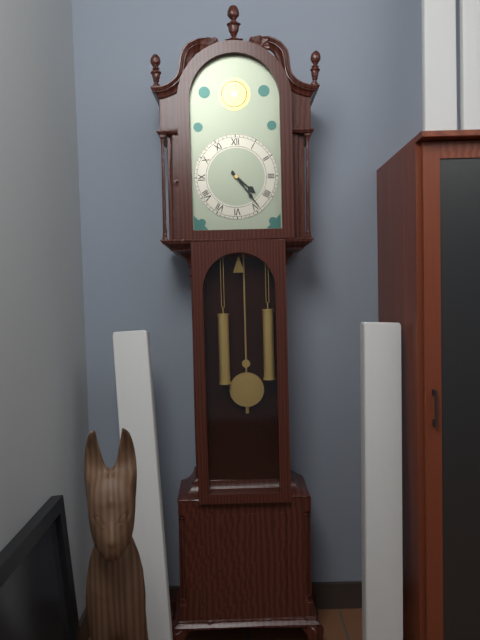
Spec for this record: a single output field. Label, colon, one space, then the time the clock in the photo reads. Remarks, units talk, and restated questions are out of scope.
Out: 4:24
